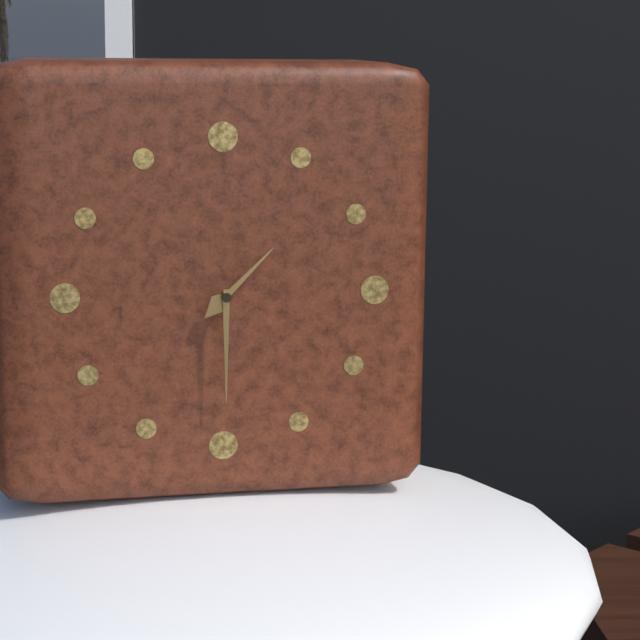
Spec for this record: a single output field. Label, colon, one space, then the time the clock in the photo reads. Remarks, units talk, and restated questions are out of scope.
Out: 1:30
